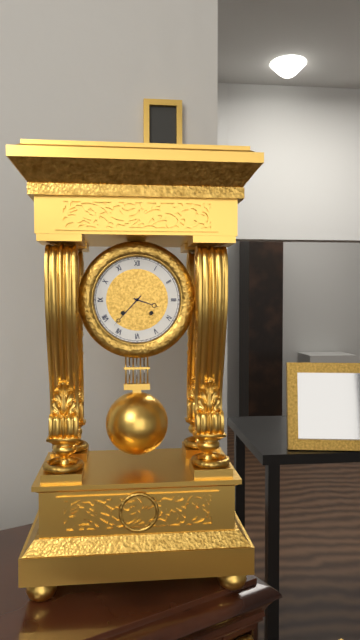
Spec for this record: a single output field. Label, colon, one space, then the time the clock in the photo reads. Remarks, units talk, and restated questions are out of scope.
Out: 3:37
